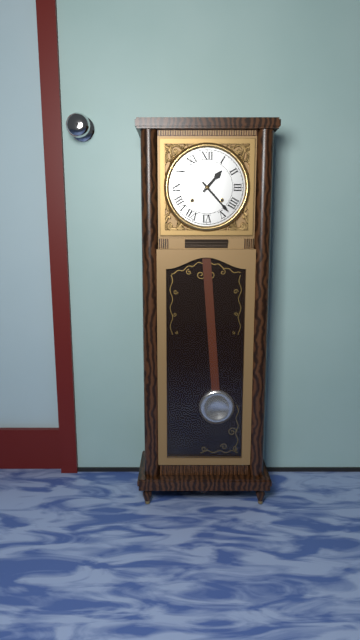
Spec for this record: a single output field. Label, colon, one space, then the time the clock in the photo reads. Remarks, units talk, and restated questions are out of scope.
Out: 1:23
